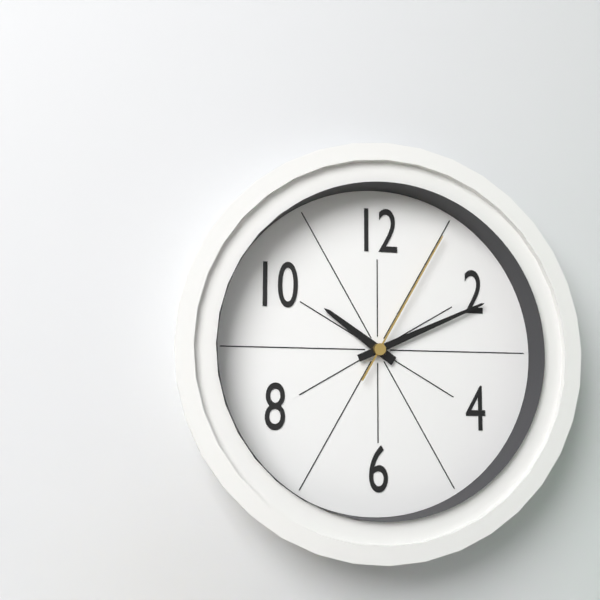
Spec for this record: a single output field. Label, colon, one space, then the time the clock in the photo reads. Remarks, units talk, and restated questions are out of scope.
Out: 10:11:05
